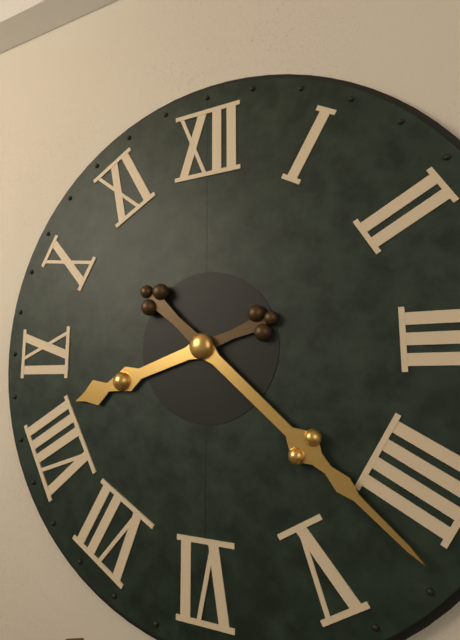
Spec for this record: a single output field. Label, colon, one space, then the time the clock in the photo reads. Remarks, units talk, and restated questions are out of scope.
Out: 8:22
